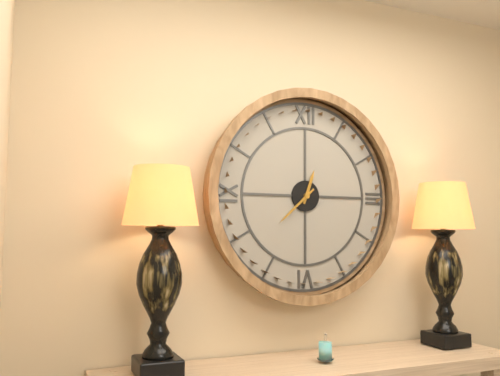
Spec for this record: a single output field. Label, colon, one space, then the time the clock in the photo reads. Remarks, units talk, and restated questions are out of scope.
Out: 12:38
